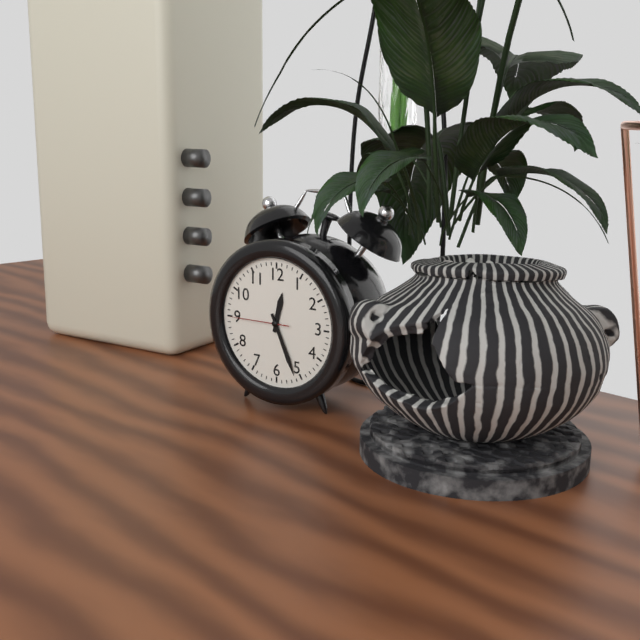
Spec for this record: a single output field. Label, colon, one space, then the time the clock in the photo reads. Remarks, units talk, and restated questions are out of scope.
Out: 12:26:45
